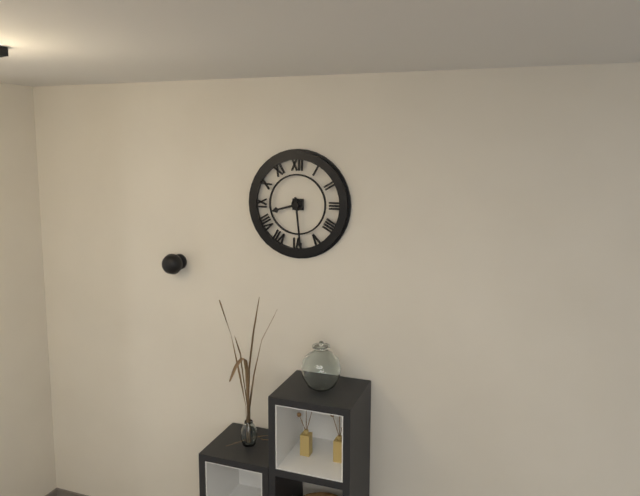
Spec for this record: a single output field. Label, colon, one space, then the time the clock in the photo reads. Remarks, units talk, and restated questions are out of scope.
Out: 8:29
